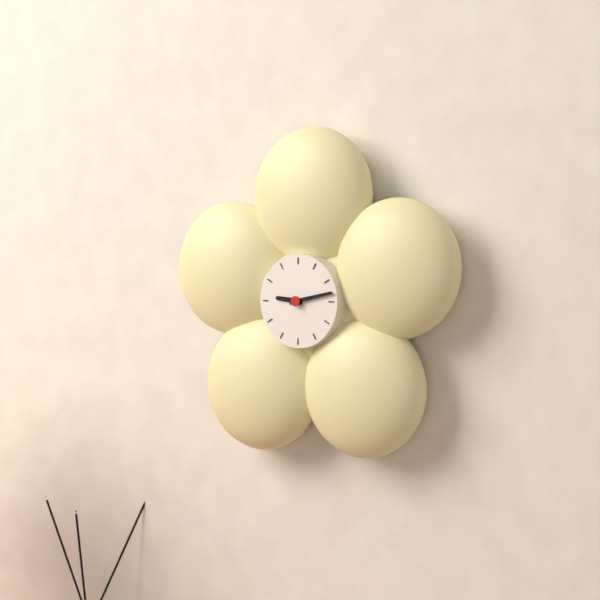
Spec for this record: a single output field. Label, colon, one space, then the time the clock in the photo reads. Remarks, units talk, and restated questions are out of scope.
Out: 9:13
